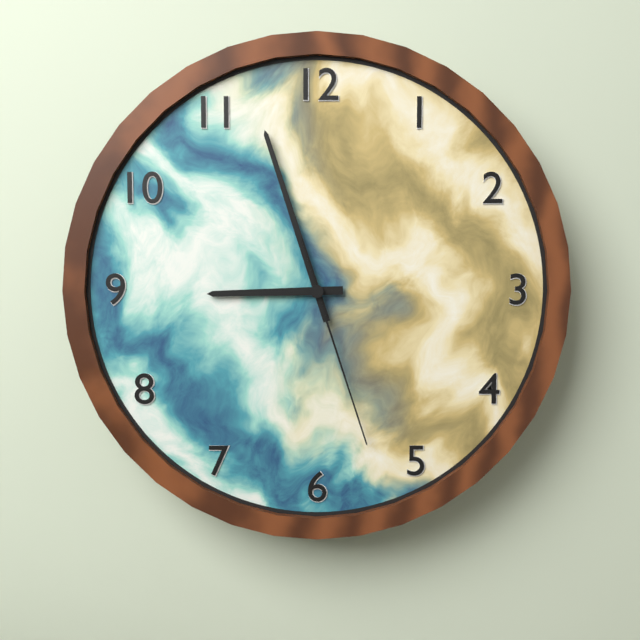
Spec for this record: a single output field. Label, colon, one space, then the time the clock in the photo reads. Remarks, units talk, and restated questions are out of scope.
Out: 8:57:27
